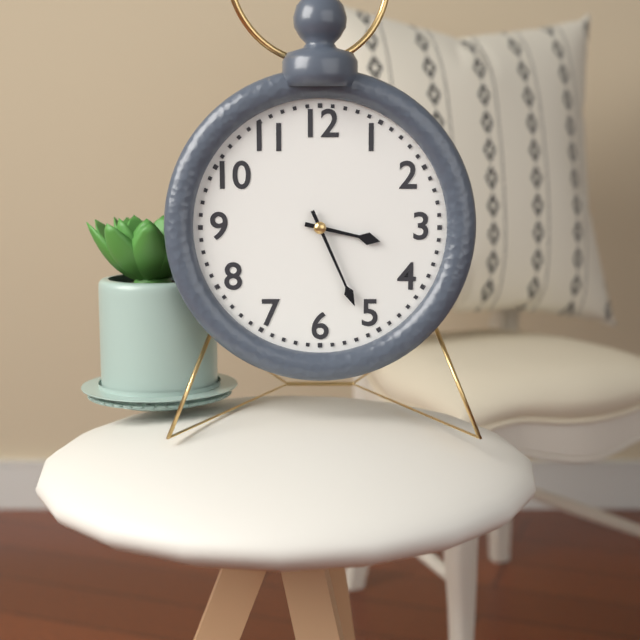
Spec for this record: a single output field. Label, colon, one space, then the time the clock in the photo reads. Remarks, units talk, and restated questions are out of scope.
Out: 3:26
